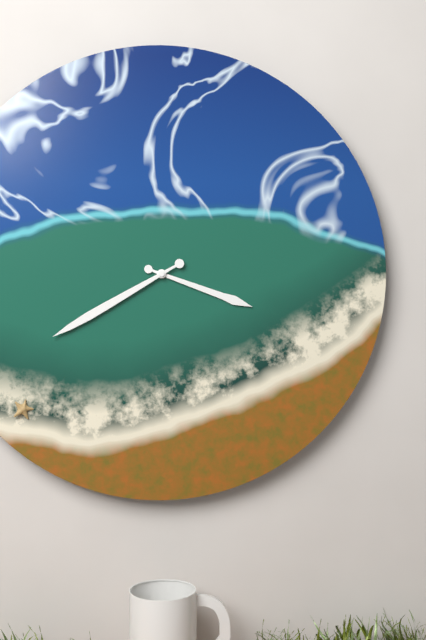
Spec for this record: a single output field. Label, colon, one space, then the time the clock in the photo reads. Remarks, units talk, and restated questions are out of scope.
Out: 3:40
